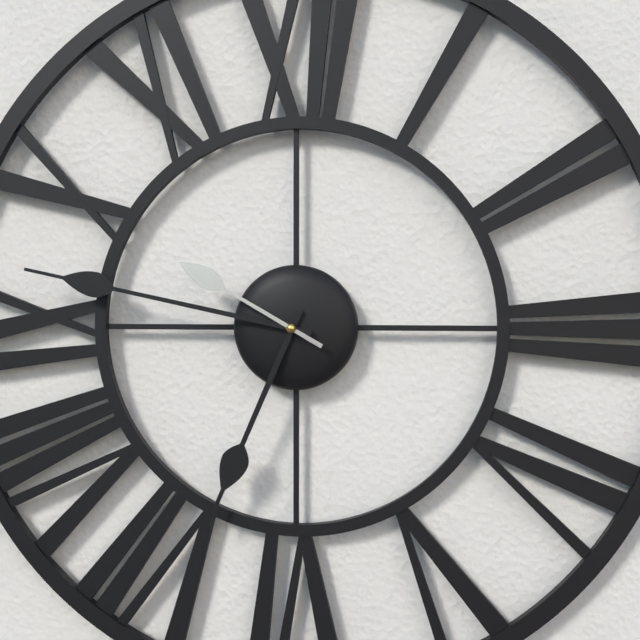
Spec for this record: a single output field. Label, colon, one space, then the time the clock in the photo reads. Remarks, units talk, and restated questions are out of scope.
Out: 6:47:50
